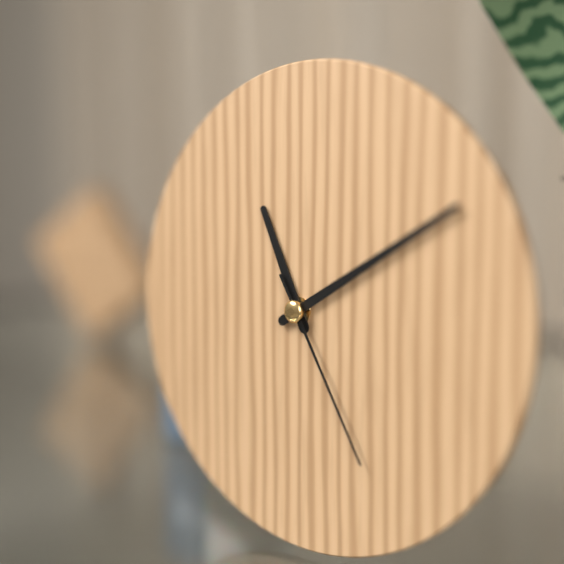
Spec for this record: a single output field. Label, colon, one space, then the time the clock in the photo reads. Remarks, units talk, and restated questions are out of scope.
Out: 11:10:25
